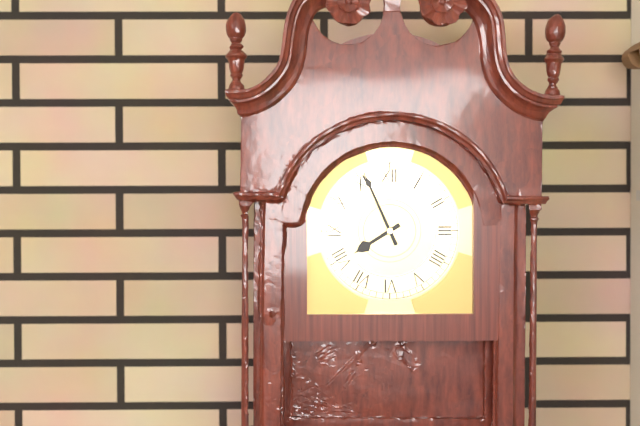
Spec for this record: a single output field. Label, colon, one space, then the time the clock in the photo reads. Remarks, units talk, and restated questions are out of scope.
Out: 7:56
